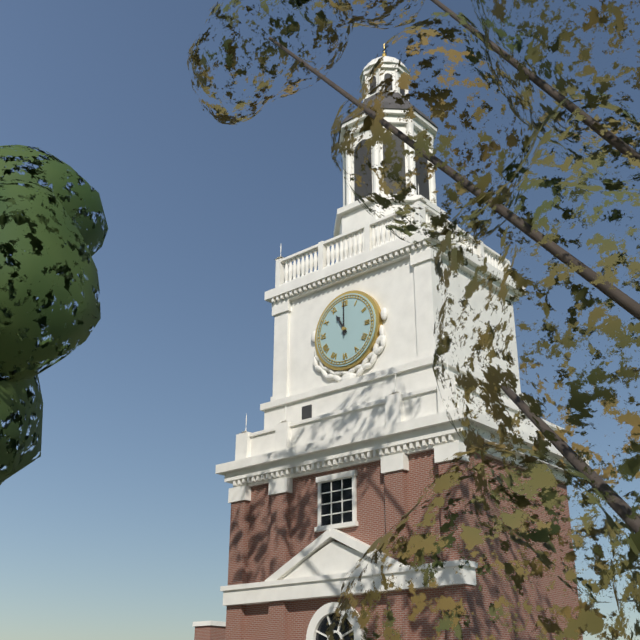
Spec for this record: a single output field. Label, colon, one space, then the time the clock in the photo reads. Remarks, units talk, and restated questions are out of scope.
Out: 11:00
